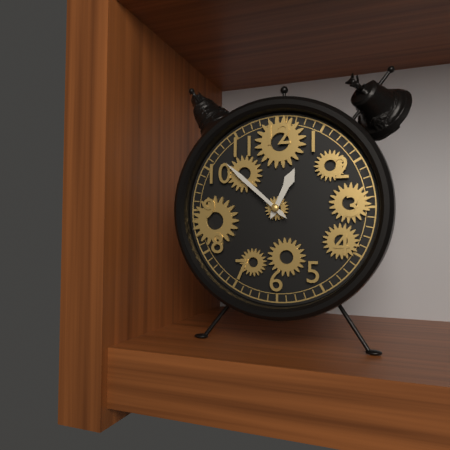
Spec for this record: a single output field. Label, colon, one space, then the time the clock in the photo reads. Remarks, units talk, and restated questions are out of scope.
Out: 12:52
